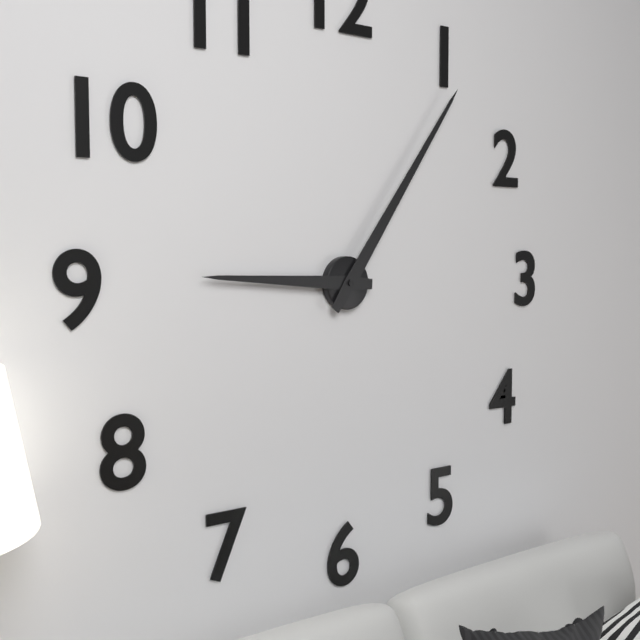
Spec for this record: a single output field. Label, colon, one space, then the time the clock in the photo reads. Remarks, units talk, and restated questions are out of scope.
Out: 9:06
